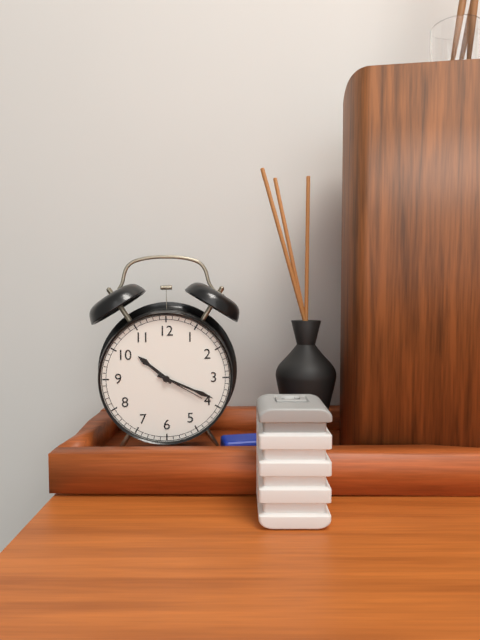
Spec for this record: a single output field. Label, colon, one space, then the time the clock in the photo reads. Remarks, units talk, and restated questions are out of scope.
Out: 10:19:20
